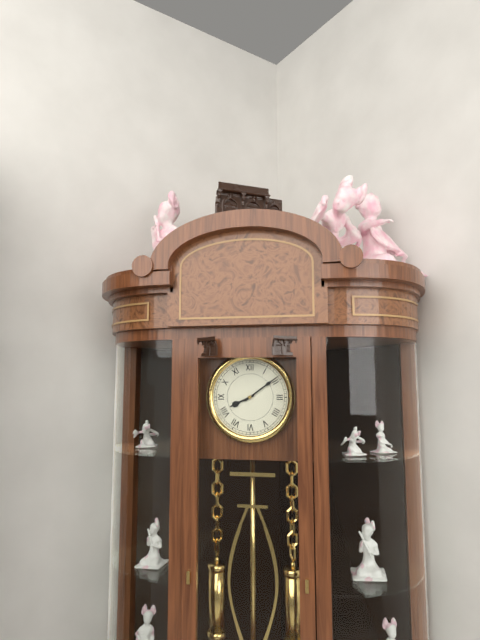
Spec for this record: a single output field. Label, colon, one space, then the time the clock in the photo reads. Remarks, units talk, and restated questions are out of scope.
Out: 8:09
